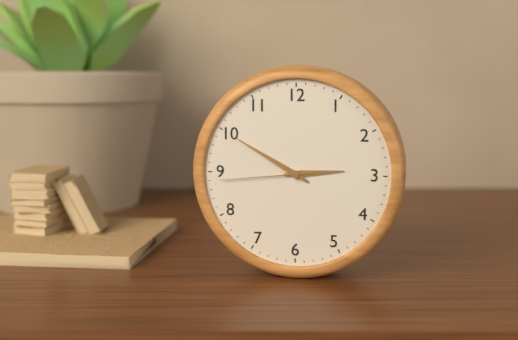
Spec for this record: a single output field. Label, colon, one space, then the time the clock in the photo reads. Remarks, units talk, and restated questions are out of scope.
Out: 2:50:44
